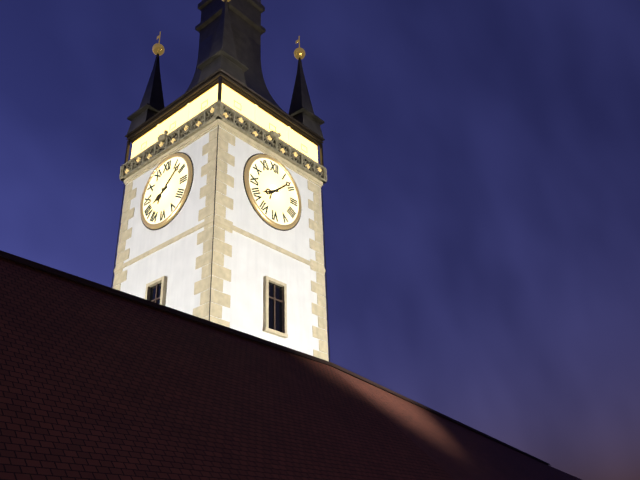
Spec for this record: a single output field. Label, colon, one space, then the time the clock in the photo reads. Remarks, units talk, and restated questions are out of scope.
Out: 8:08
